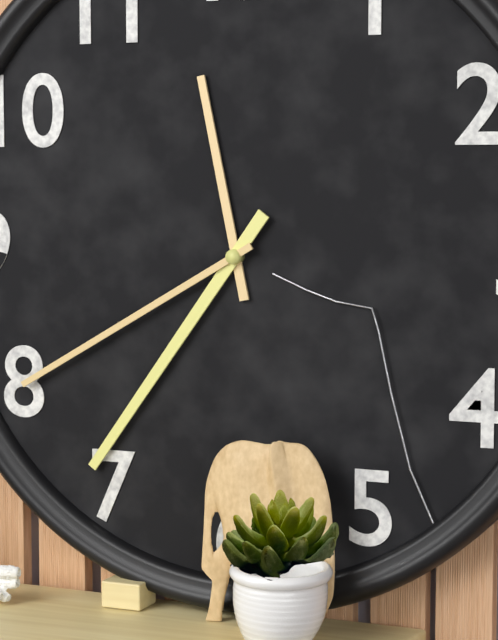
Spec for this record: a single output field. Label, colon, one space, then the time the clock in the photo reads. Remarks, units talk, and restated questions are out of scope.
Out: 11:36:40
